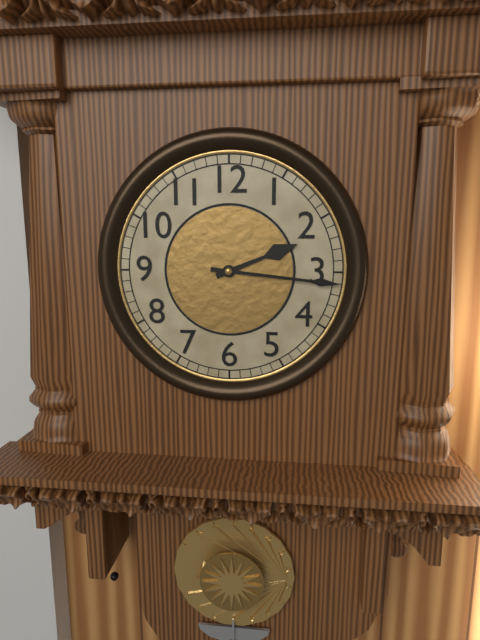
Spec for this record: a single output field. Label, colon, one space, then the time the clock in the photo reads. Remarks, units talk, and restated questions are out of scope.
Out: 2:16
